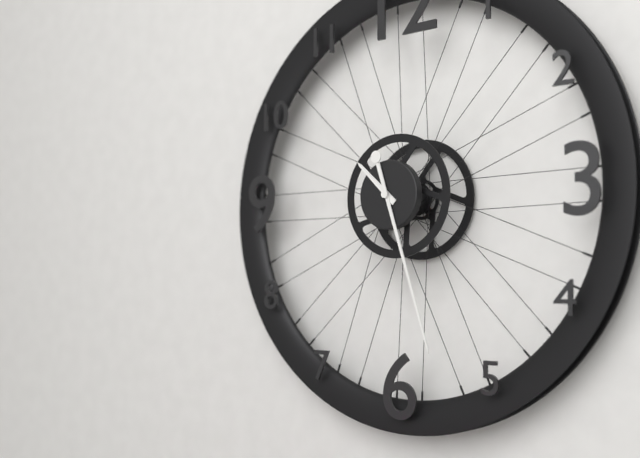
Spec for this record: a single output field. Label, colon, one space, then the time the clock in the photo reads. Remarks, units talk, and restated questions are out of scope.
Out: 10:27
